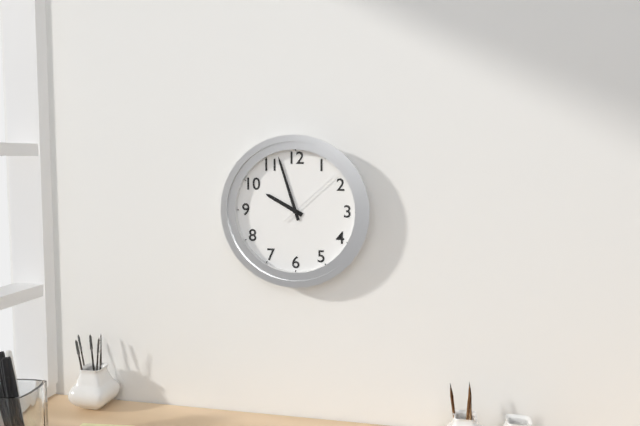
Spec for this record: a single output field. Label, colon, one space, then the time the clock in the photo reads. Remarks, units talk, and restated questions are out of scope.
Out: 9:57:08
